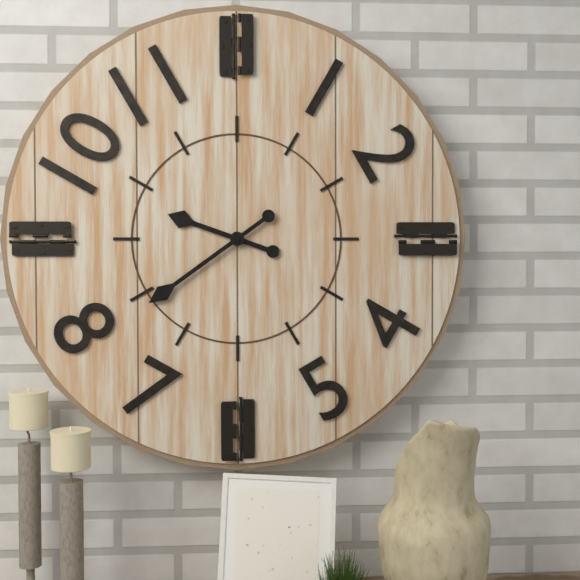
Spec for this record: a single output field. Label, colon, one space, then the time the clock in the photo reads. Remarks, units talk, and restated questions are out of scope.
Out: 9:39
